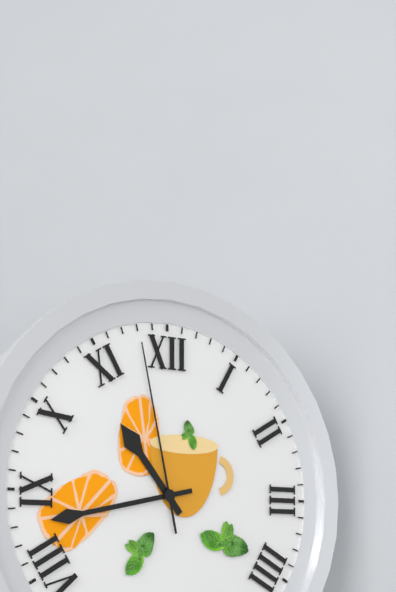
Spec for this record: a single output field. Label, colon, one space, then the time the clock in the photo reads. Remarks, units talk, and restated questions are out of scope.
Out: 10:43:58
